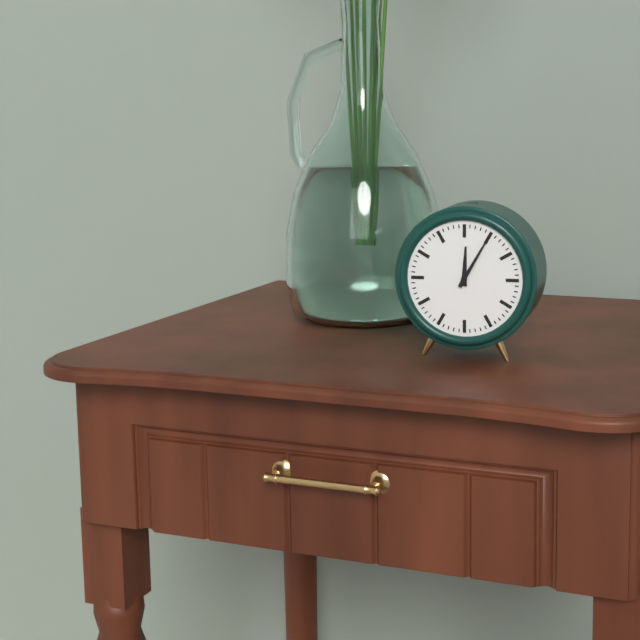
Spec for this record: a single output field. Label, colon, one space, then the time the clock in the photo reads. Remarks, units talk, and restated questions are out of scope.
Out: 12:05
